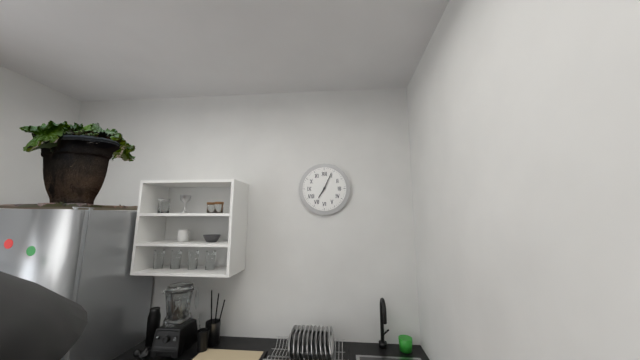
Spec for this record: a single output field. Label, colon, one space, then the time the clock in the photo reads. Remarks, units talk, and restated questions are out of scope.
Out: 7:04
